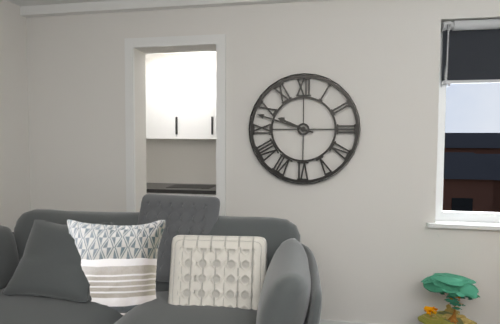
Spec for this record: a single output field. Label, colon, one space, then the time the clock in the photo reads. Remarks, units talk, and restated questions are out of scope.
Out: 9:48
